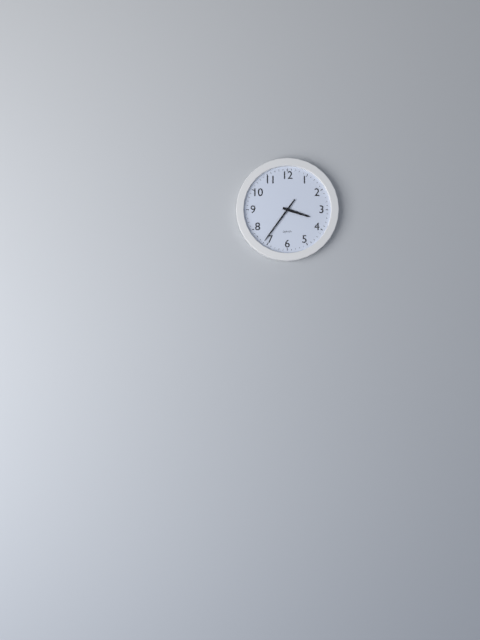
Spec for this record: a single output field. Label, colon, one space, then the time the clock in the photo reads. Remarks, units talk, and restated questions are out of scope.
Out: 3:36
